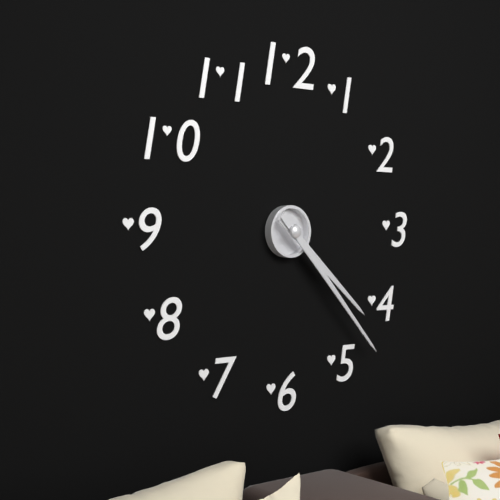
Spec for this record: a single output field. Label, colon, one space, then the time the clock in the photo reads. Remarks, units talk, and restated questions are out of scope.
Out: 4:23
